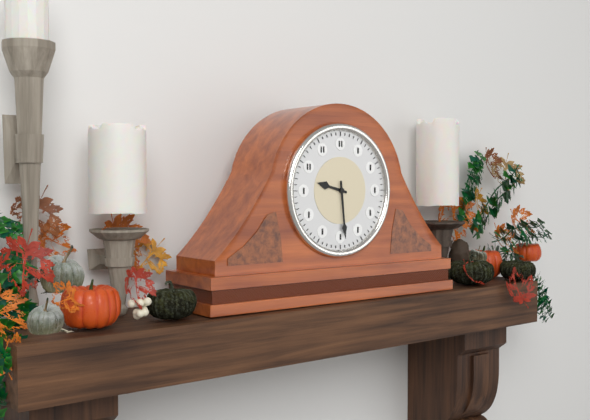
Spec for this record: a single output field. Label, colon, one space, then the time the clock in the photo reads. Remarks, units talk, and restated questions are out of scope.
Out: 9:29
